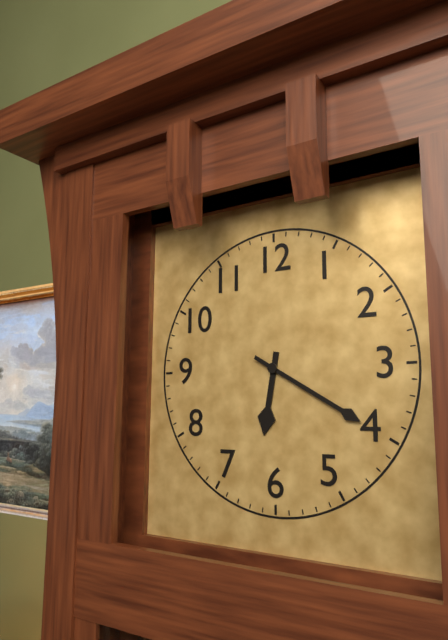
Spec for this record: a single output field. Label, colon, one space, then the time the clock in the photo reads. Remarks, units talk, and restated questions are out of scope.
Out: 6:20
